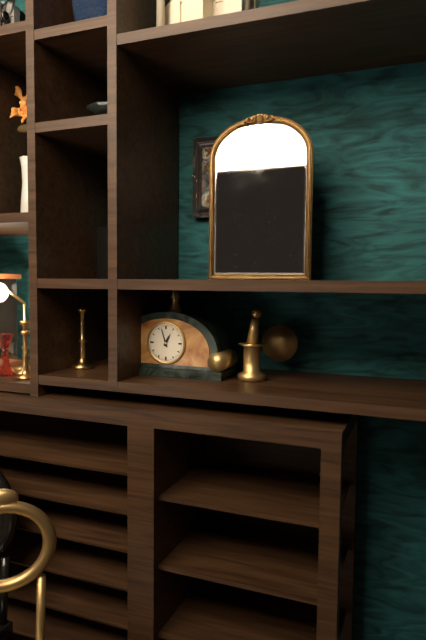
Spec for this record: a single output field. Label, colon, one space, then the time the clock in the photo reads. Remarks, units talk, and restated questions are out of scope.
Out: 12:57
